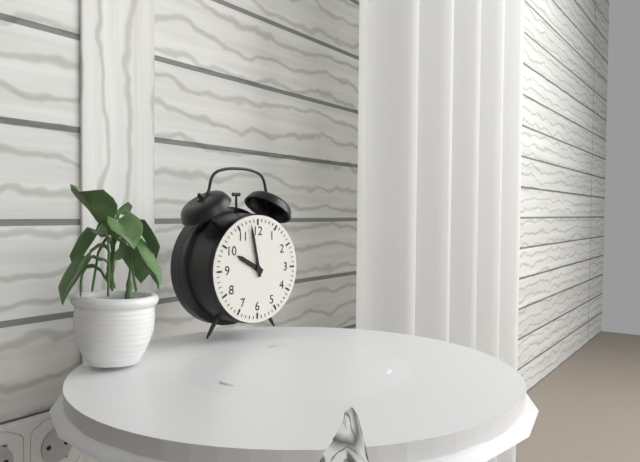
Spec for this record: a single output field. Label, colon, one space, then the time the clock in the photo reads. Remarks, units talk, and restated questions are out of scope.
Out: 9:58
